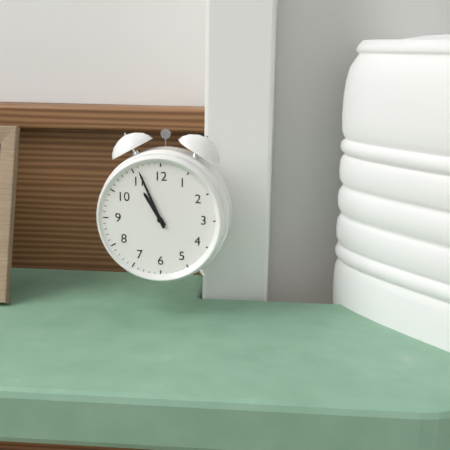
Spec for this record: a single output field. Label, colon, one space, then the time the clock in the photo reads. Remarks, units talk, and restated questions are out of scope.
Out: 10:56
